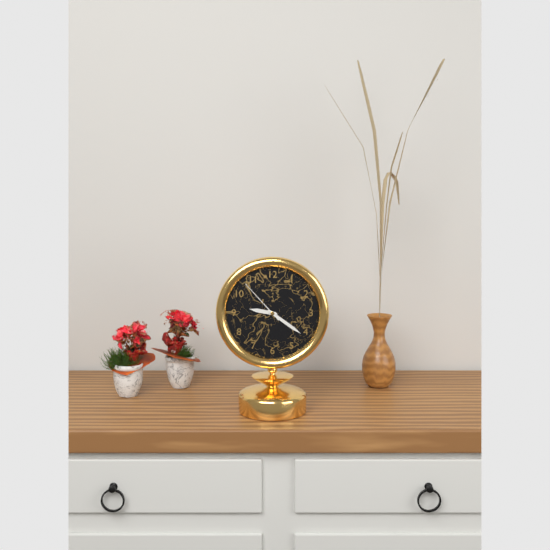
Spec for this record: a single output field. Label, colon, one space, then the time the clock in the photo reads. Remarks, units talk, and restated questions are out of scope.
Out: 9:21:53
